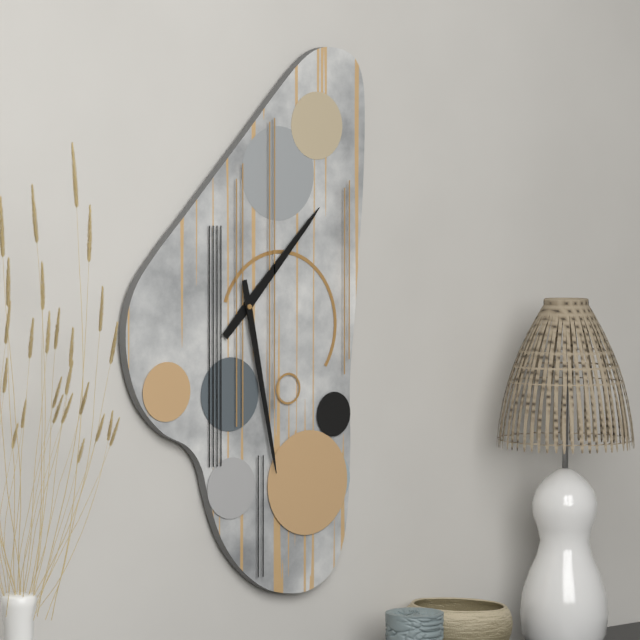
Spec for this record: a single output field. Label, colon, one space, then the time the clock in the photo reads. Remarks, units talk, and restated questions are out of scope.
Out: 1:28
